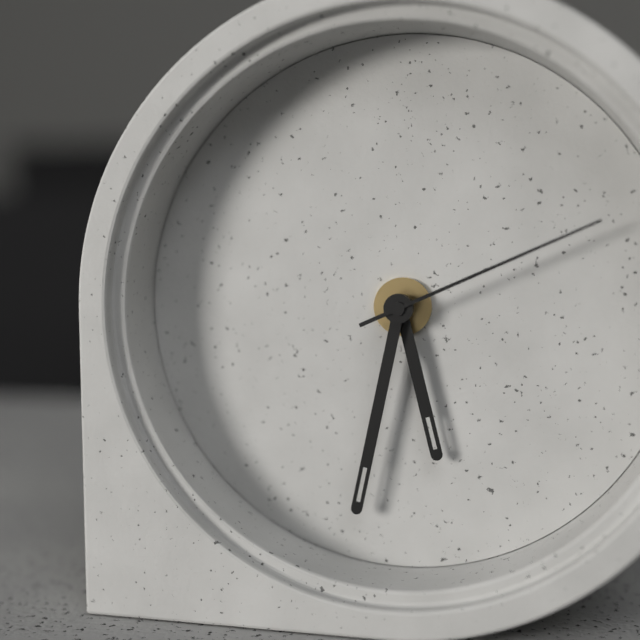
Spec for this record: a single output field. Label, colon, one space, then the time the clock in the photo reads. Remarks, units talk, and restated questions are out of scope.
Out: 5:32:11
